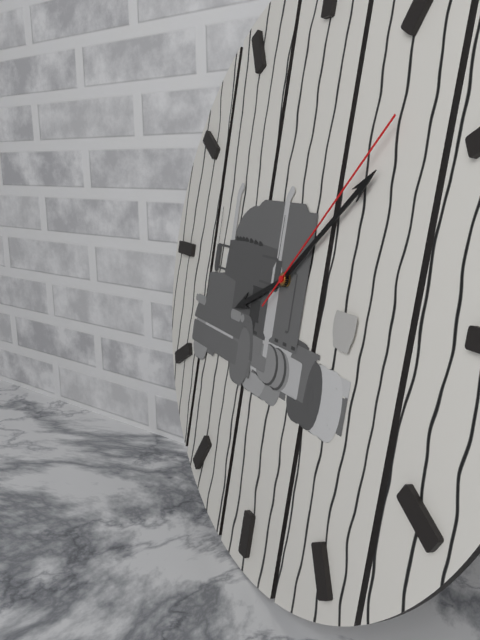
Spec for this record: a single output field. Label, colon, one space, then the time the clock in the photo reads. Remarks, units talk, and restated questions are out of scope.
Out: 8:08:07
